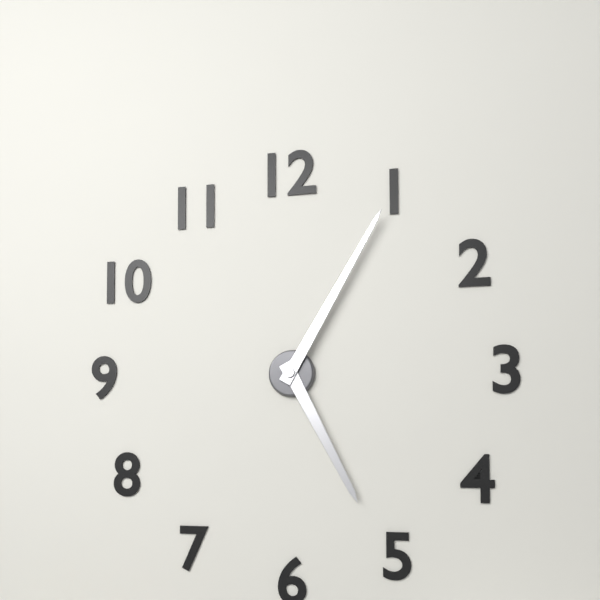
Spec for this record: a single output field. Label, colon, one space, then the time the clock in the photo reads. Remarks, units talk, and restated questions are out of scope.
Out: 5:05
